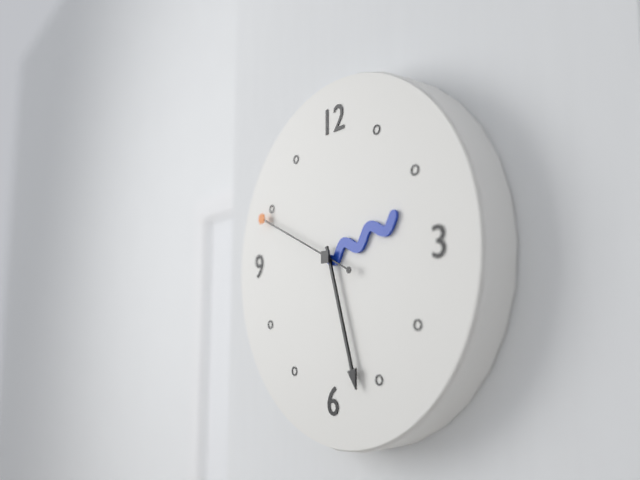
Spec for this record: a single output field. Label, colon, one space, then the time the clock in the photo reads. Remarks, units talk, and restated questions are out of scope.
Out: 2:27:49
